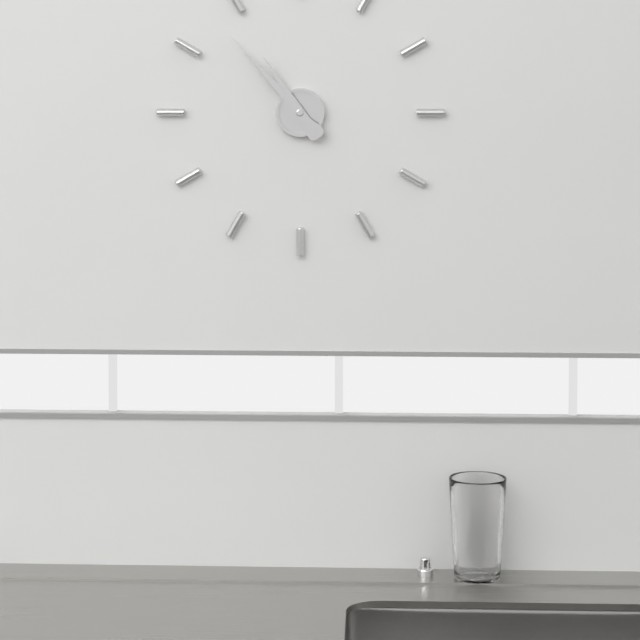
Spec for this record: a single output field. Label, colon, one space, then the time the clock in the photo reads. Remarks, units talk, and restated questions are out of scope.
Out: 10:53
